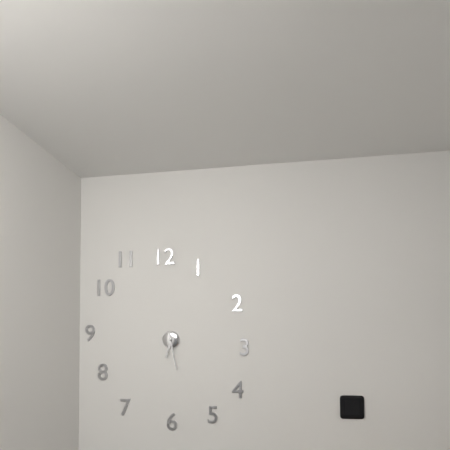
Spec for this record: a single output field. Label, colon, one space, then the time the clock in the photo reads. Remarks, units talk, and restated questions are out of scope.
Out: 6:28
